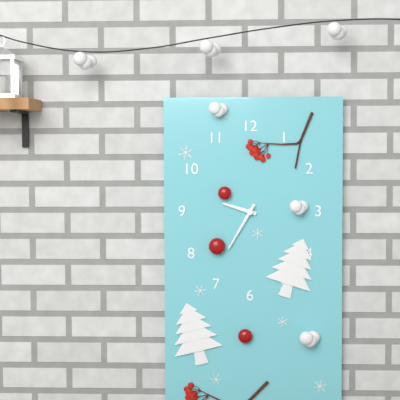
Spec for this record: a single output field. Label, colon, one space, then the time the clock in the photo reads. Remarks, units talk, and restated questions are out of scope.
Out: 9:35
